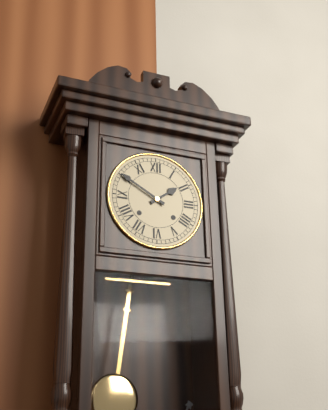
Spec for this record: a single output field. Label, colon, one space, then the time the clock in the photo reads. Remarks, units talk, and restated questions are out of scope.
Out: 1:50
